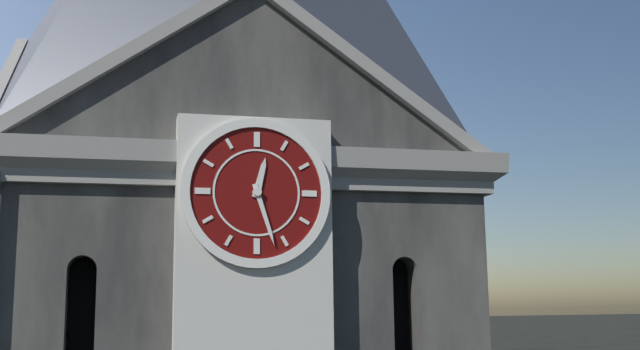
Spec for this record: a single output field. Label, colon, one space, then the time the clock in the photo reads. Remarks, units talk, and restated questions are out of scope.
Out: 12:27
